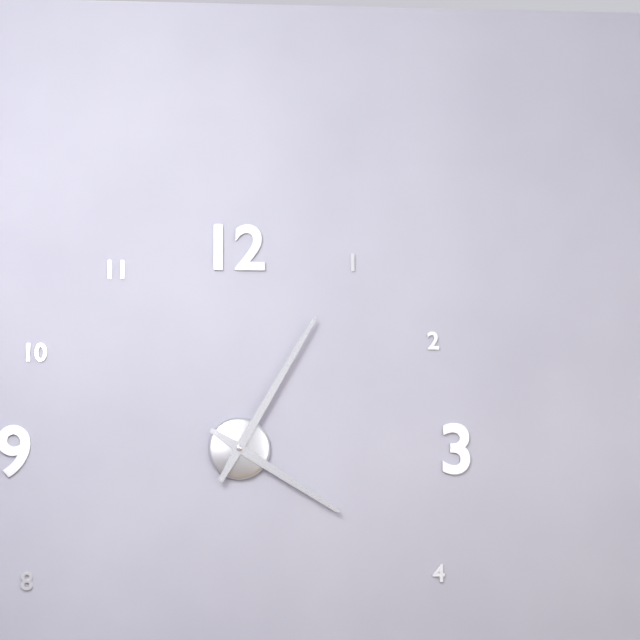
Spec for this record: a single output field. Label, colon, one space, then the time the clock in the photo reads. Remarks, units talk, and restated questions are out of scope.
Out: 4:05
